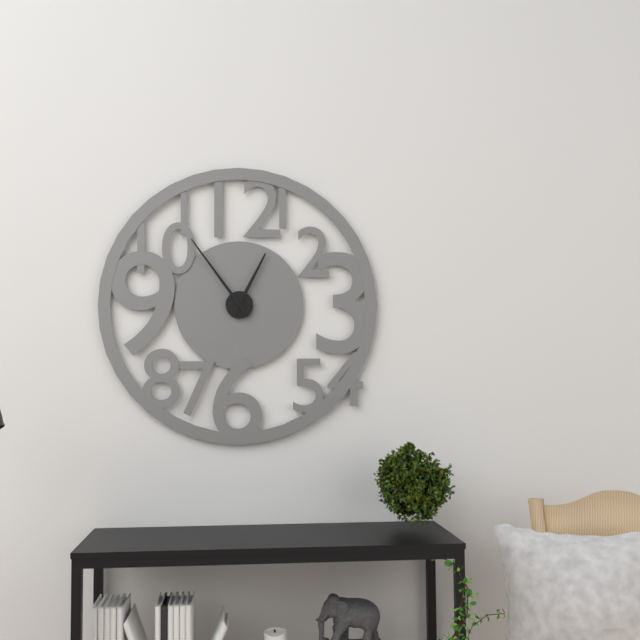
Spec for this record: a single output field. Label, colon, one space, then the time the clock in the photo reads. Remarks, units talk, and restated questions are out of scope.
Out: 12:54
